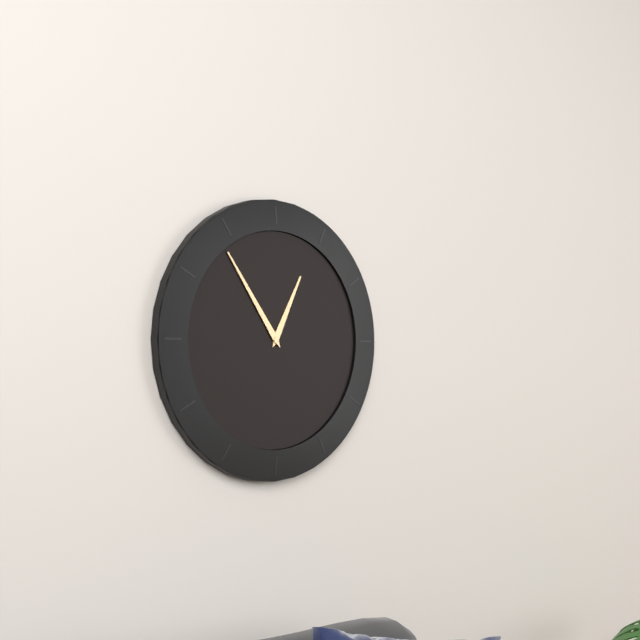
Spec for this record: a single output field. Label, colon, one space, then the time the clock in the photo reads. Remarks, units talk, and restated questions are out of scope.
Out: 12:54
